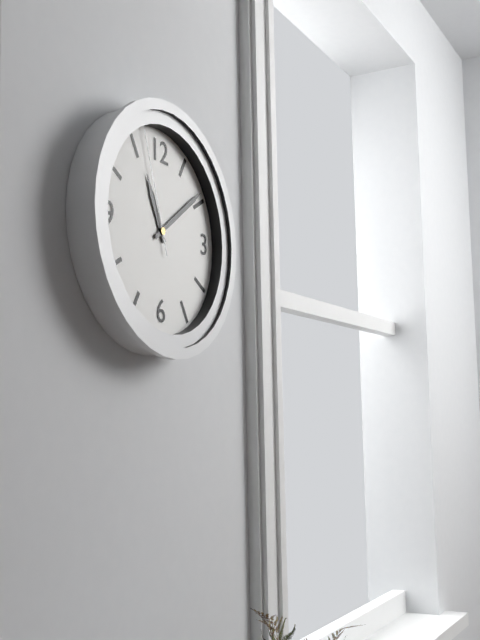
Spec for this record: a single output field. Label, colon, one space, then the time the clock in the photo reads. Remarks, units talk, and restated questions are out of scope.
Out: 11:09:57
